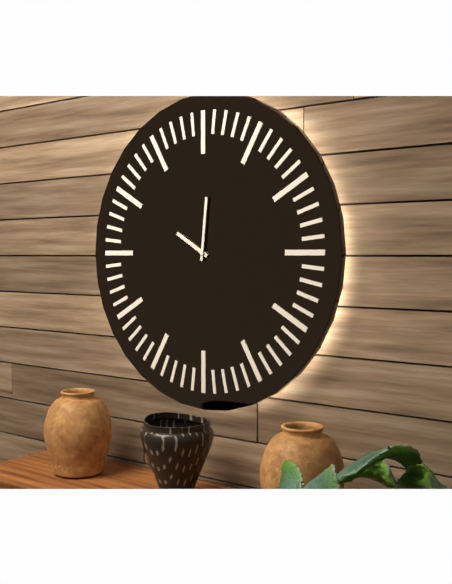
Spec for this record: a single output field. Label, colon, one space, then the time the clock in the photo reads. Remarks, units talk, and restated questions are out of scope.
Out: 10:01
